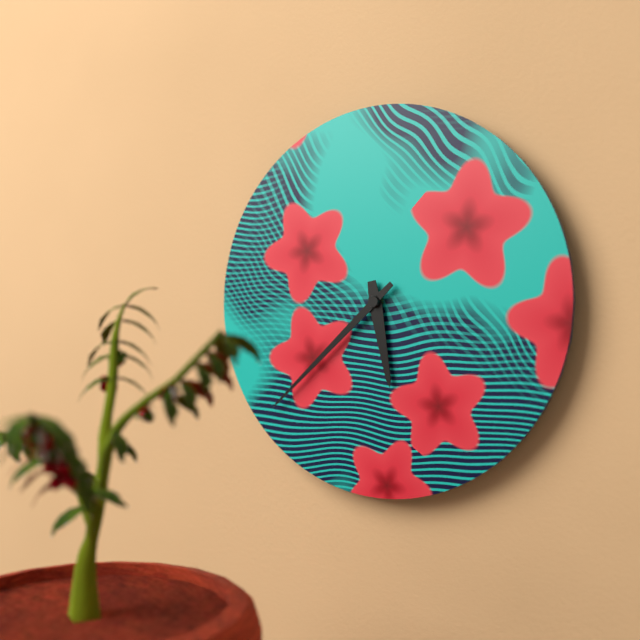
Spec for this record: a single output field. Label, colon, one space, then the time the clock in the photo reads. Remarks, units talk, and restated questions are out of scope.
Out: 5:38
